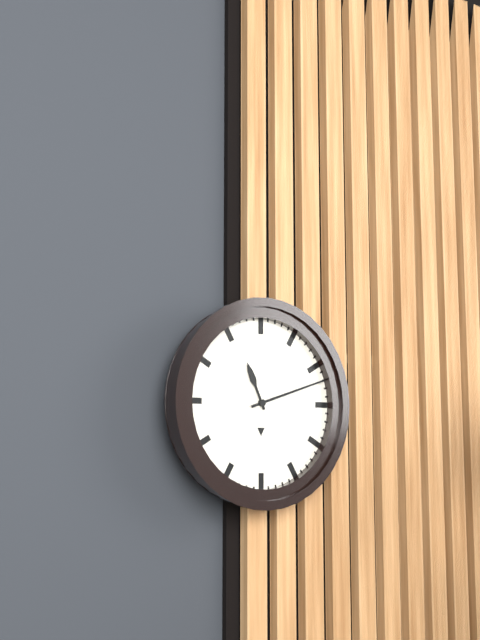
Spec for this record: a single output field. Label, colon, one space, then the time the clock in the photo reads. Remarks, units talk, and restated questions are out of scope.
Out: 11:12
